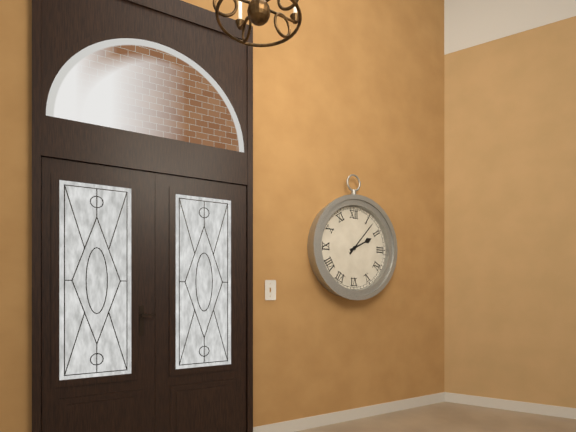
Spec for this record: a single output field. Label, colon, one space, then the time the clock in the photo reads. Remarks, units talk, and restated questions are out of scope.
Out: 2:07
